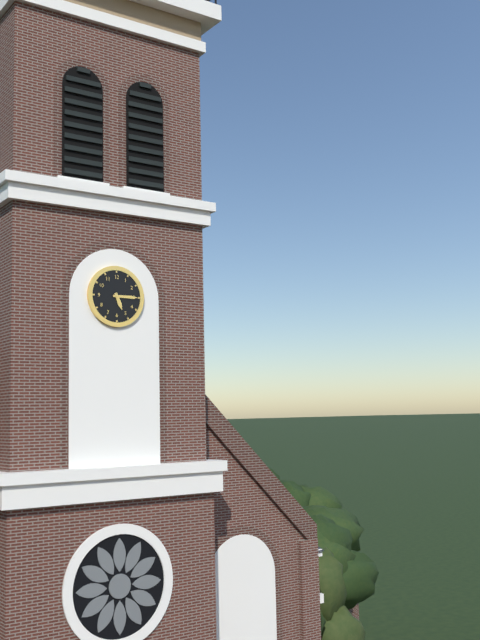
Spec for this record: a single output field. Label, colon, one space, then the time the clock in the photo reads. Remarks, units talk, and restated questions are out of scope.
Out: 5:15
